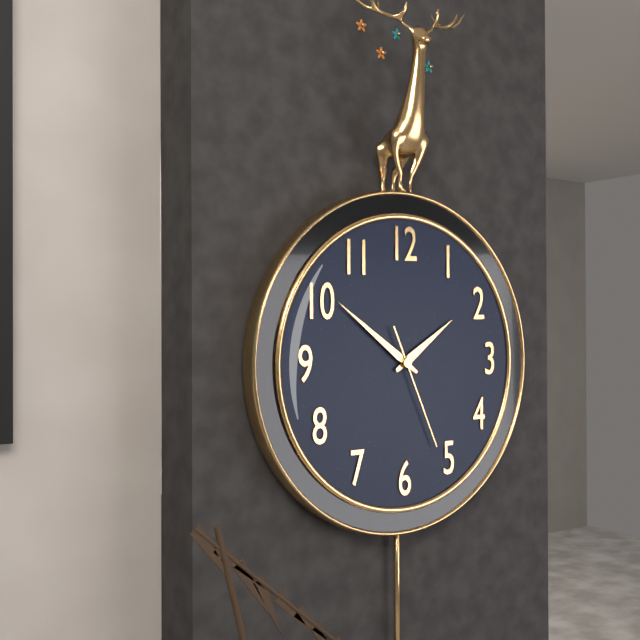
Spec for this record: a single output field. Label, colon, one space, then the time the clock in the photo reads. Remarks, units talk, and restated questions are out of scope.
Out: 1:51:26
